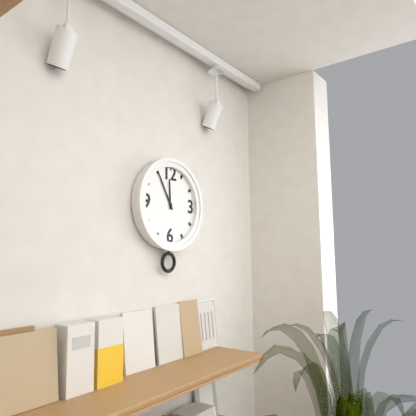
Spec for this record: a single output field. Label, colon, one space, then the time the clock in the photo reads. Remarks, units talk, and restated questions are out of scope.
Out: 11:55
